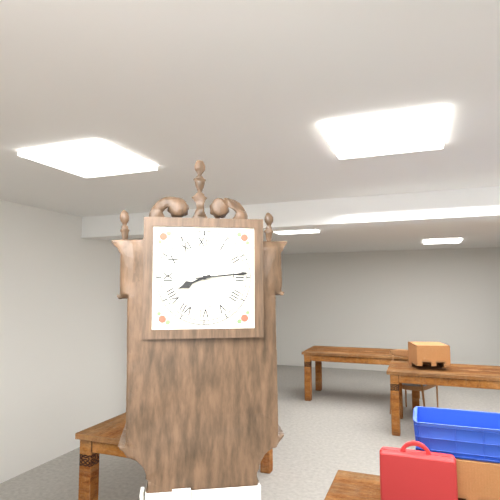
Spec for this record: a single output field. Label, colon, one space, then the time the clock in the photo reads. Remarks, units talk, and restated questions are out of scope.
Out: 8:14
